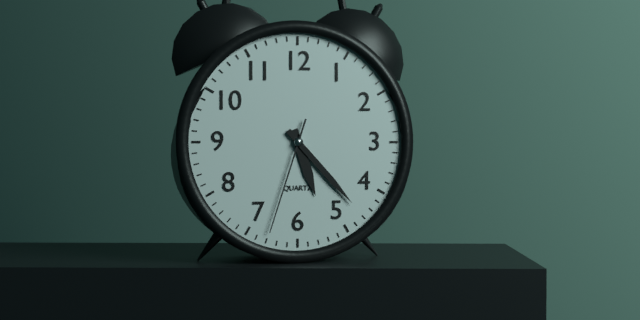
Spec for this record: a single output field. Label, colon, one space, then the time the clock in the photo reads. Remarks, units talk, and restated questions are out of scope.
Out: 5:23:33
